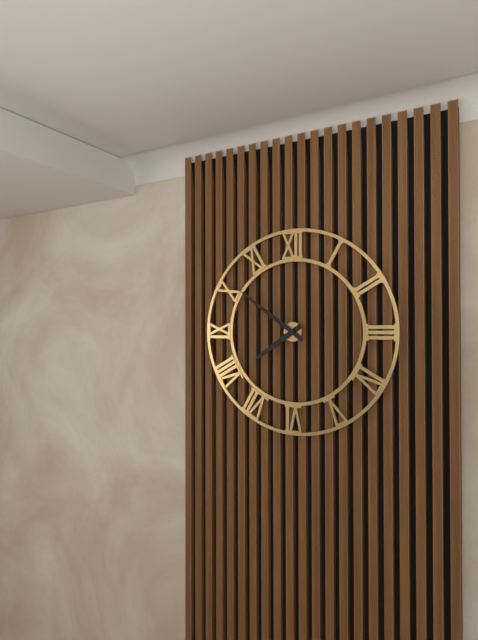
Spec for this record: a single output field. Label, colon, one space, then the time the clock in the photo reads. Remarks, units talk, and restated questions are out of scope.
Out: 7:51
